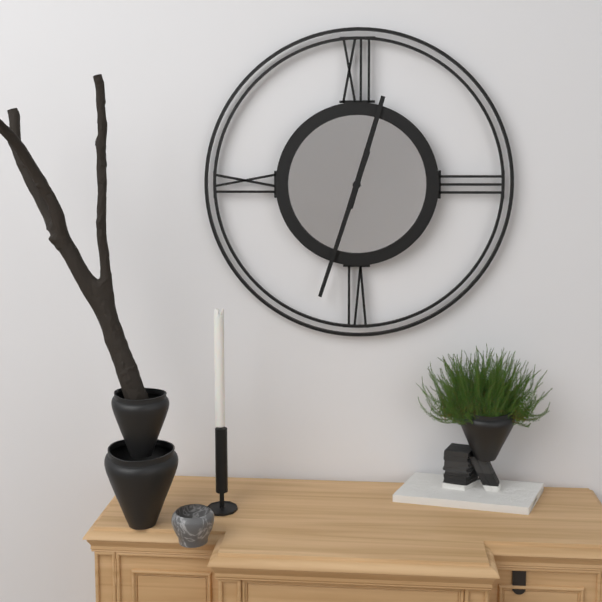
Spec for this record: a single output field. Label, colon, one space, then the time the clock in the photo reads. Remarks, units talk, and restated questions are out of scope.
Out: 12:33
